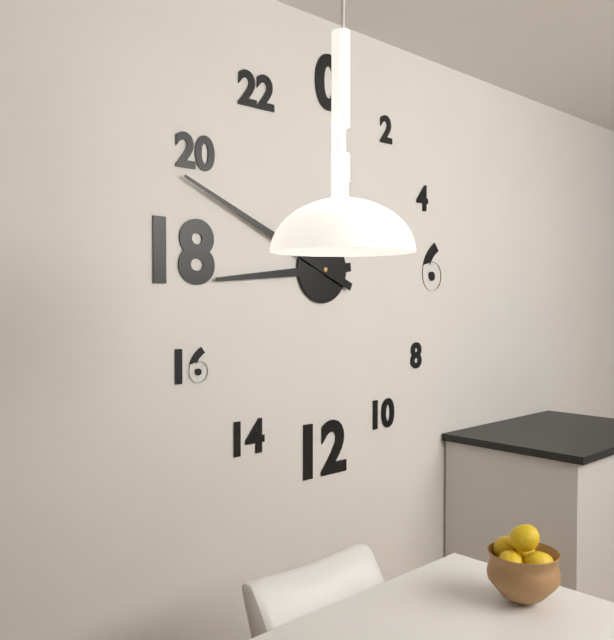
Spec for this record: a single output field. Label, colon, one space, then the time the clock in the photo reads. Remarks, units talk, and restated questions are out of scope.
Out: 8:49
